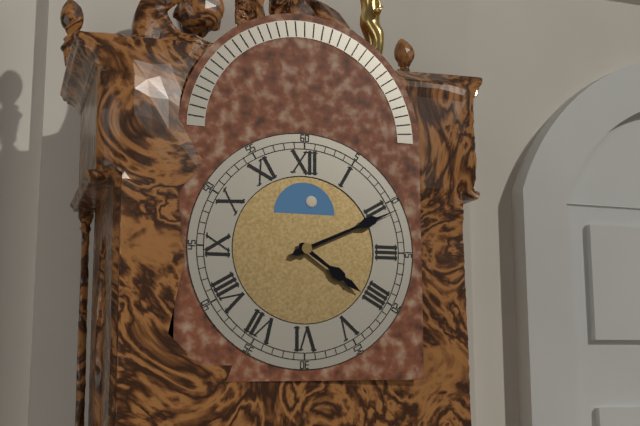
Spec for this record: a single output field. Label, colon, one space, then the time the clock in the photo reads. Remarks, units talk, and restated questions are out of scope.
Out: 4:11
